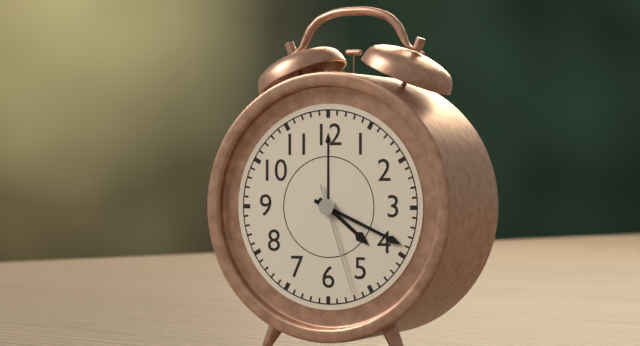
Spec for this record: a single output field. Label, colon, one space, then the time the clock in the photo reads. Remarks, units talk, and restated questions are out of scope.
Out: 4:19:27
